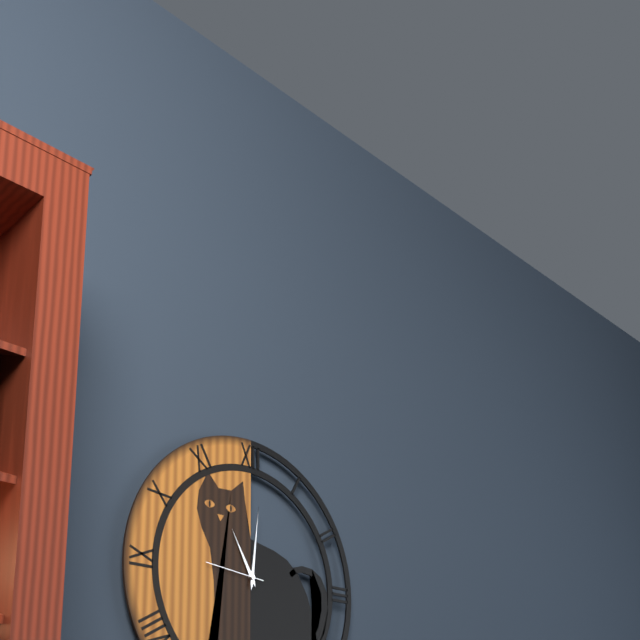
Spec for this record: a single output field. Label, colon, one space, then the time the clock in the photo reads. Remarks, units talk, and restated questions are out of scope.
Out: 11:01:46
